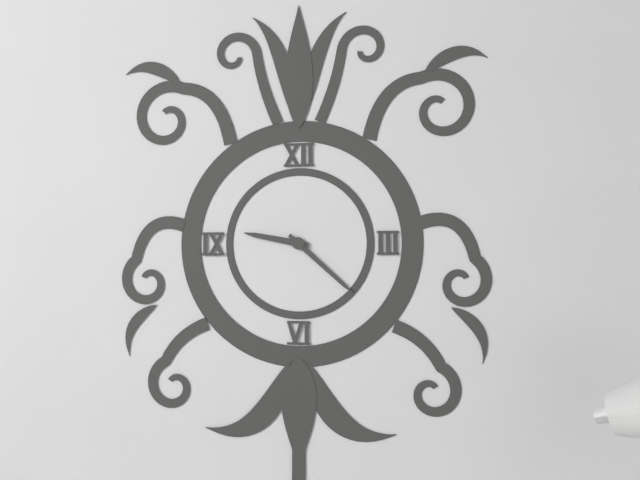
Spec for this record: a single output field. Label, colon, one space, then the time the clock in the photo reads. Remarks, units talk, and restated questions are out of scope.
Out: 9:22
